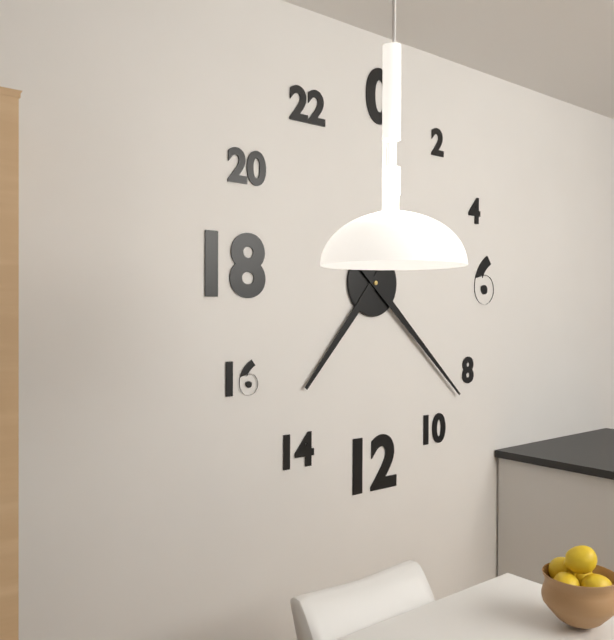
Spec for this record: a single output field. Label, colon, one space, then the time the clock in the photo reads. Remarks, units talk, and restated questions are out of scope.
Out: 7:22
